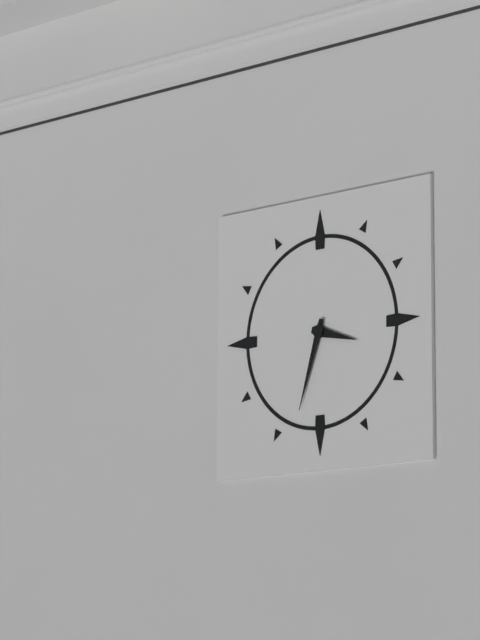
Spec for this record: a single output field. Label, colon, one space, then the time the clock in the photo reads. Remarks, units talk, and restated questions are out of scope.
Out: 3:33
